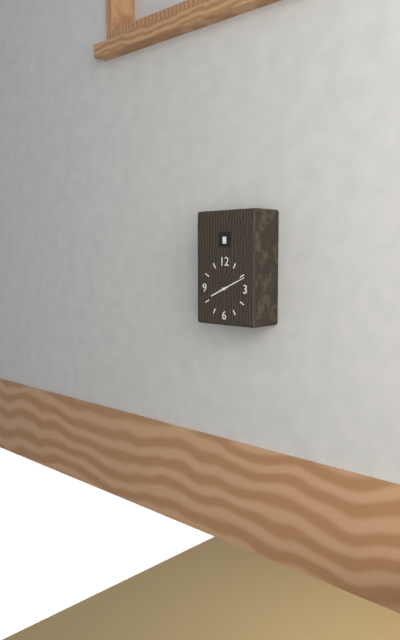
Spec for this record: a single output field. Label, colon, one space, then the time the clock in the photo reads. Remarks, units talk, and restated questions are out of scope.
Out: 8:11
